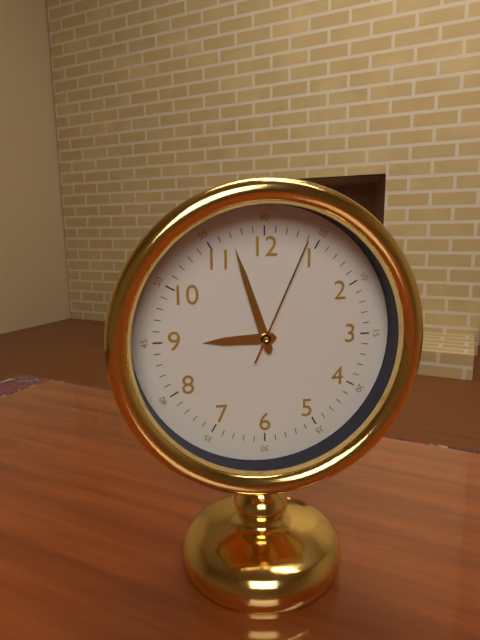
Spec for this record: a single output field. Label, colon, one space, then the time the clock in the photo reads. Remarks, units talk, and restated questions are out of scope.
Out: 8:57:04
